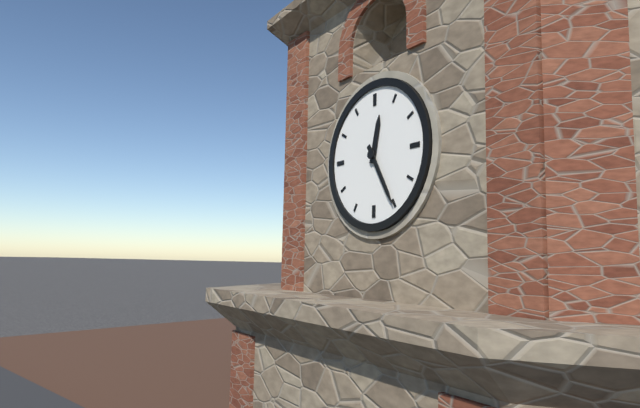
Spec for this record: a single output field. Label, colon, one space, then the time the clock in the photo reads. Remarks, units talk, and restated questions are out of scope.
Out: 12:25
